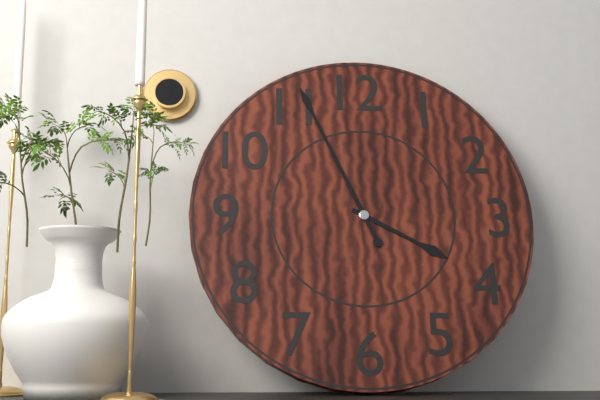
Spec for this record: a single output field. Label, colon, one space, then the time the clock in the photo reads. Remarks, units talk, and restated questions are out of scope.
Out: 3:56
